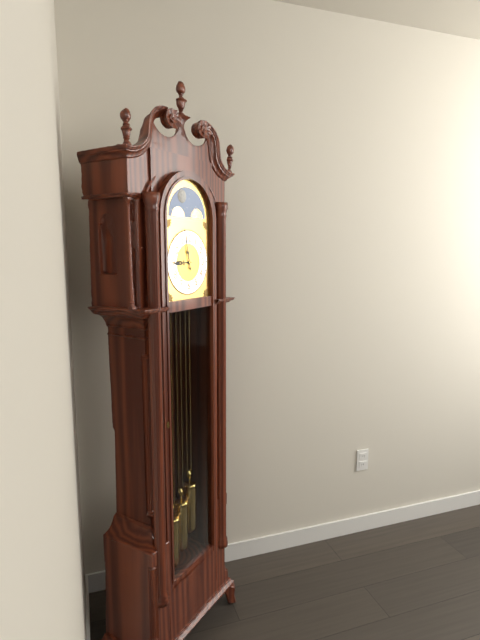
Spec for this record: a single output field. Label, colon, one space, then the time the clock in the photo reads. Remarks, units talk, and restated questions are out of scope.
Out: 8:58
